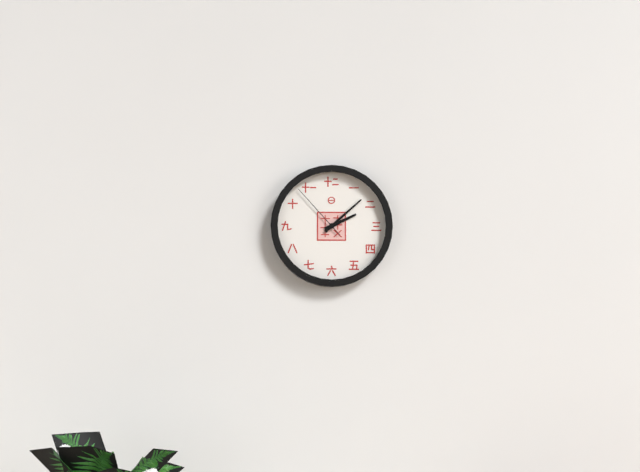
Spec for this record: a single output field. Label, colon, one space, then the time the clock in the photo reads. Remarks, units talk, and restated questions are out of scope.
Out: 2:08:53
